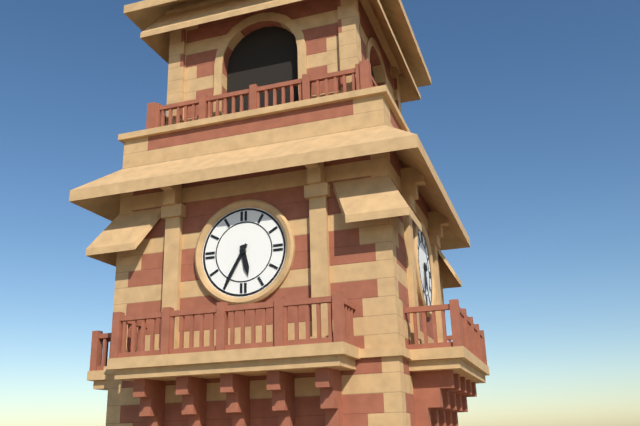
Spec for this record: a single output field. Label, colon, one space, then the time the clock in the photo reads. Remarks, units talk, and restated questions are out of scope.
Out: 5:35
